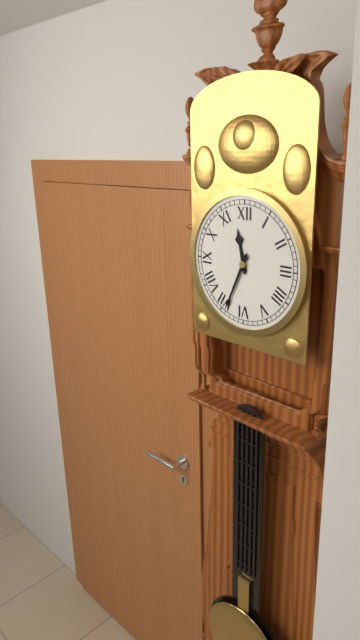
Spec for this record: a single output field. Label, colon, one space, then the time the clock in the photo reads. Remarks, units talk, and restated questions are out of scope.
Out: 11:34
